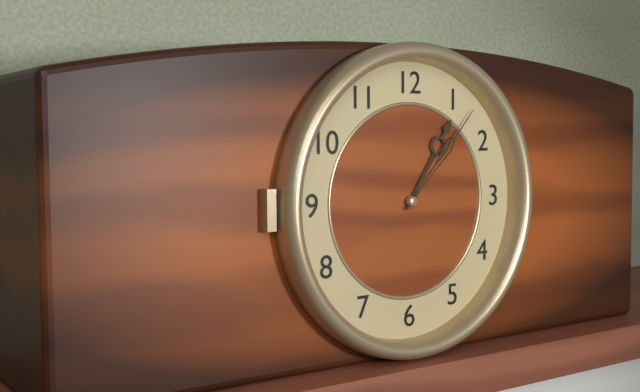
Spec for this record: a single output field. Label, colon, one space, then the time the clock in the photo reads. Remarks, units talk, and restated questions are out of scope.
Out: 1:07
